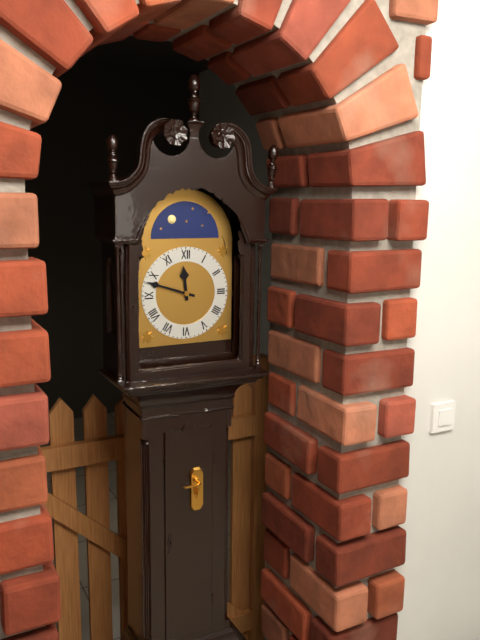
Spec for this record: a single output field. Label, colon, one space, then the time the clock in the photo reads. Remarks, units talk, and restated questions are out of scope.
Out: 11:48
